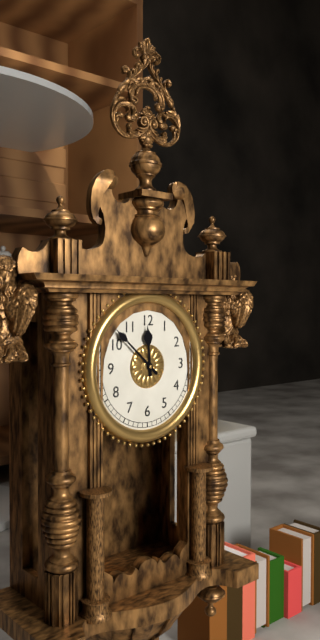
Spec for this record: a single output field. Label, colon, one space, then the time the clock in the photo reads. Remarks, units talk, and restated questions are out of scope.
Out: 11:52
